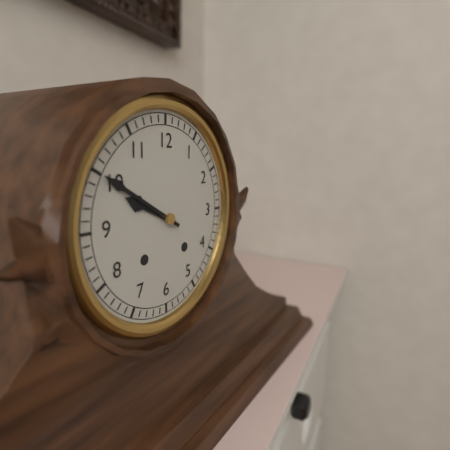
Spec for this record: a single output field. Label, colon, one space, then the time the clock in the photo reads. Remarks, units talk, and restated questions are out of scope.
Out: 9:50
